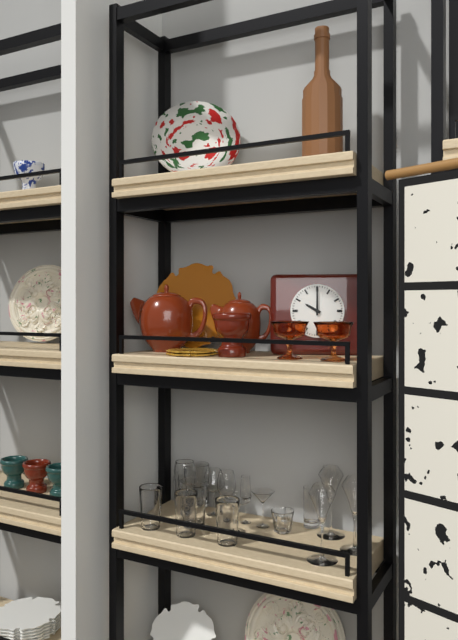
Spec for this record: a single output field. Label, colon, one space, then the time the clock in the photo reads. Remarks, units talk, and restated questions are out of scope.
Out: 10:00
